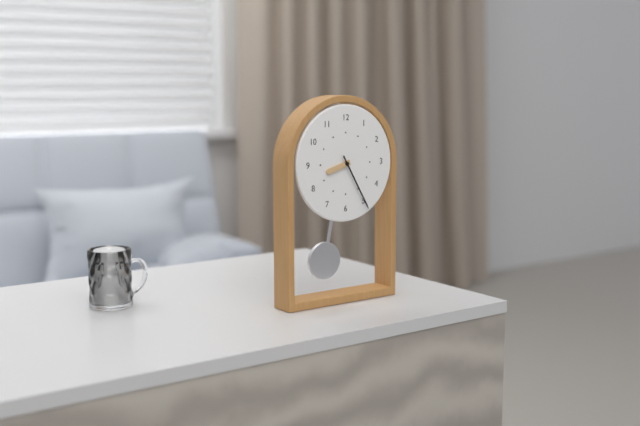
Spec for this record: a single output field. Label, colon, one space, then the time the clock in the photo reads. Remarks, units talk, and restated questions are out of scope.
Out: 8:25
